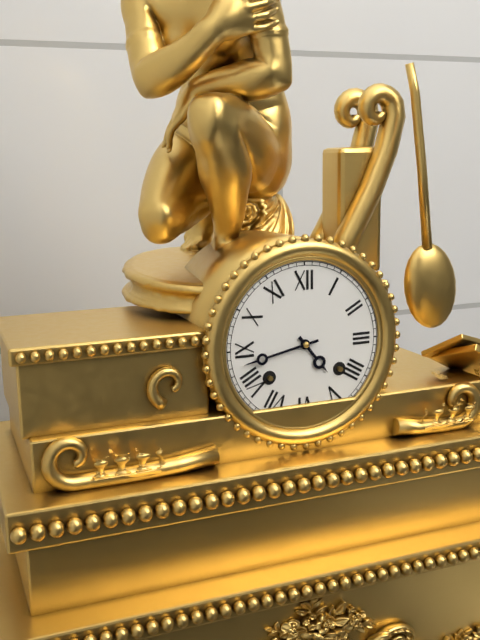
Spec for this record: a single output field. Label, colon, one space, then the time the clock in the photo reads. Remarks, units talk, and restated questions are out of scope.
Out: 4:43
